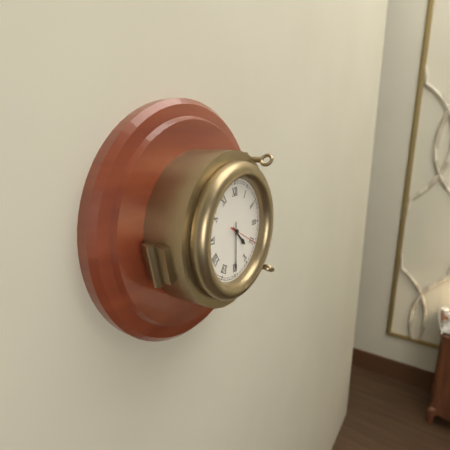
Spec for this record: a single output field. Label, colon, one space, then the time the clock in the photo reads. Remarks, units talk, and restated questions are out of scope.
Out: 4:30
